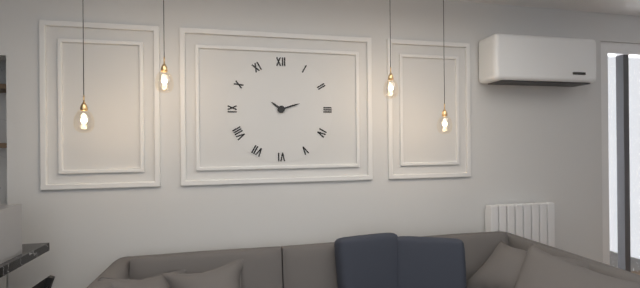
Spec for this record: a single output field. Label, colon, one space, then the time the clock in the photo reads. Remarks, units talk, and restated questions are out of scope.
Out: 10:12
